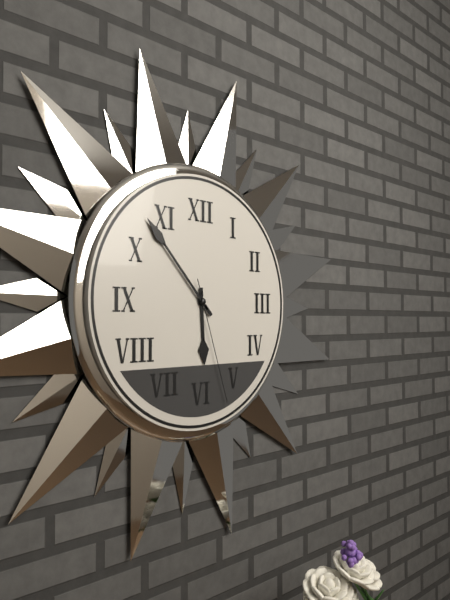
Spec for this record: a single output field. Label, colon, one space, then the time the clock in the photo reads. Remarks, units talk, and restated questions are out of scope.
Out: 5:53:27
